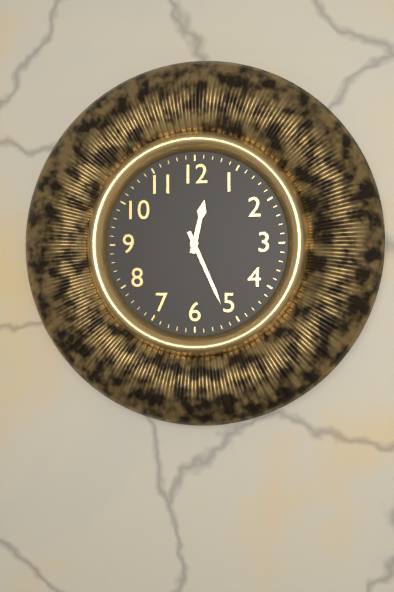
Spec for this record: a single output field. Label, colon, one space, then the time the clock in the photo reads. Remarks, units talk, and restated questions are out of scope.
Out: 12:26
